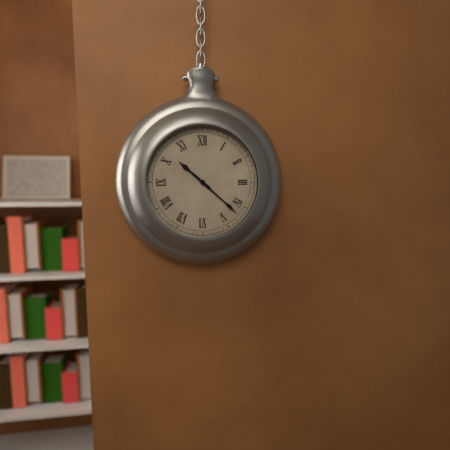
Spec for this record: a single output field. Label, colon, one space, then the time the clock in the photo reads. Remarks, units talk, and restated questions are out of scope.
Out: 10:22
